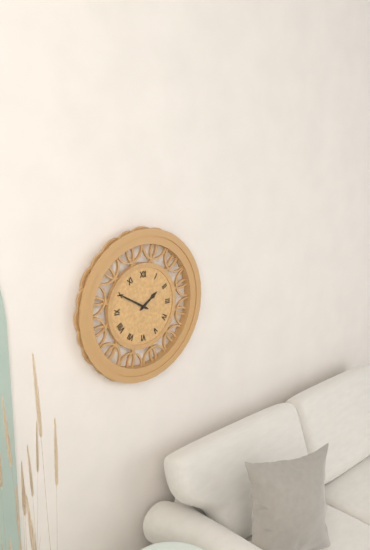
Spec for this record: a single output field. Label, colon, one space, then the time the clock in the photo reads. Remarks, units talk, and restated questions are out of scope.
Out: 1:50
